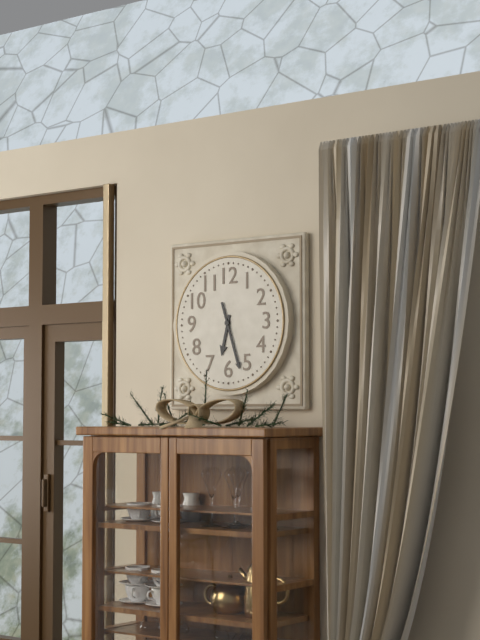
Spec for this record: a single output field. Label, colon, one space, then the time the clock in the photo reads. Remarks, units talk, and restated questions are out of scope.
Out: 6:27
